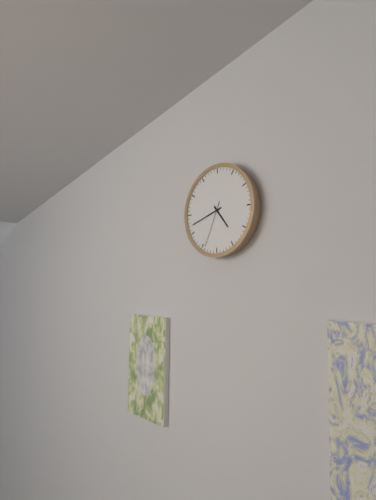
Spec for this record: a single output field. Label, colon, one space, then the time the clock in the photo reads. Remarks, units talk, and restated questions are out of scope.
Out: 4:42
